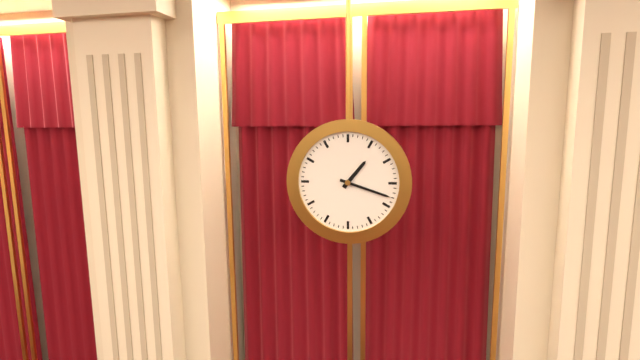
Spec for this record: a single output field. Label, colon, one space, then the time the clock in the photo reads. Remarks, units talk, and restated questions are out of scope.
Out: 1:18
